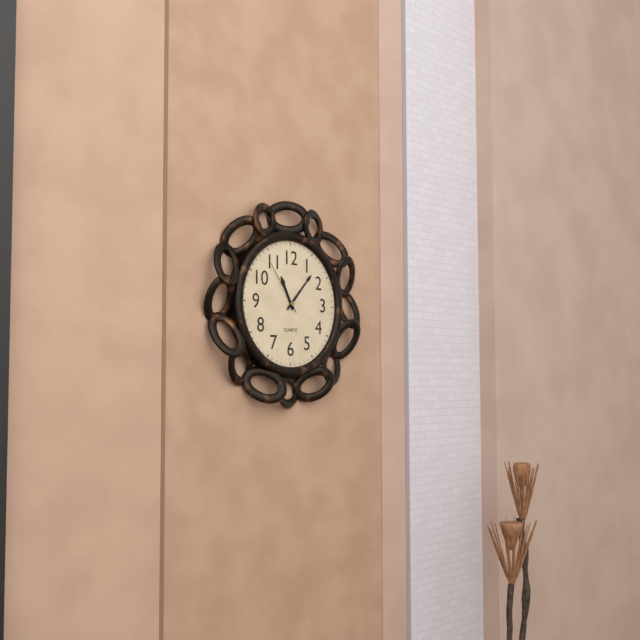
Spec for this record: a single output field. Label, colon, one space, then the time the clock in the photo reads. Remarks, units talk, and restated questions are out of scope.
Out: 11:07:54
